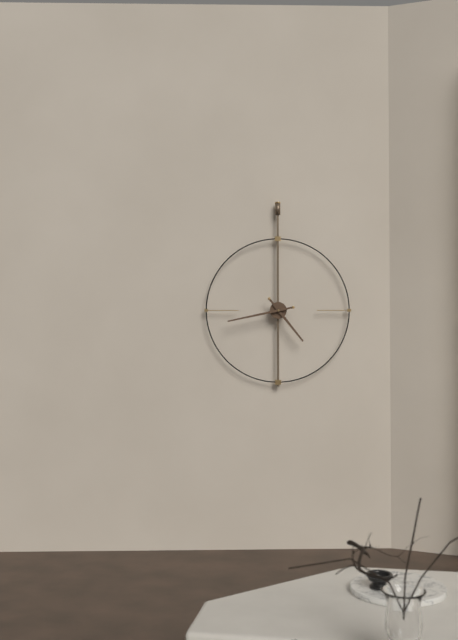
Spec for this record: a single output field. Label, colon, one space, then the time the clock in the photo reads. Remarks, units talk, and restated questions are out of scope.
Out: 4:43
